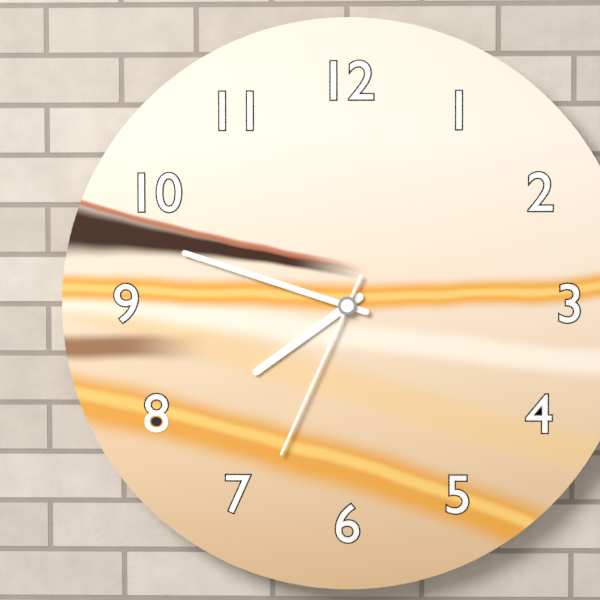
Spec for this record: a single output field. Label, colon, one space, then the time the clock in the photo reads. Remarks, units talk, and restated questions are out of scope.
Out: 7:48:34
